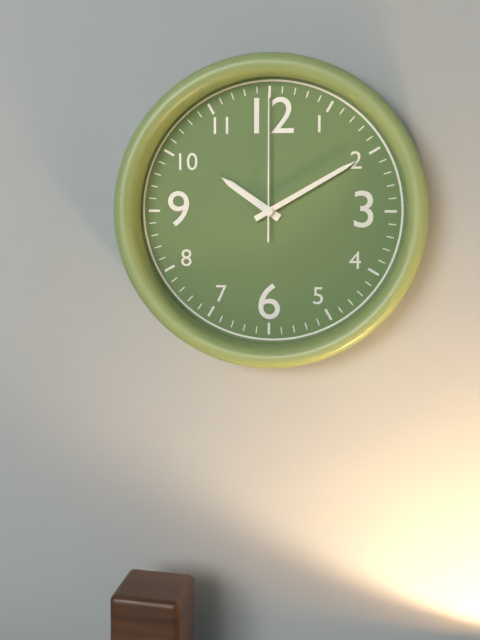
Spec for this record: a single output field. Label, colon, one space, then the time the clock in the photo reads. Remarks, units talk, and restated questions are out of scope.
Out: 10:10:00
